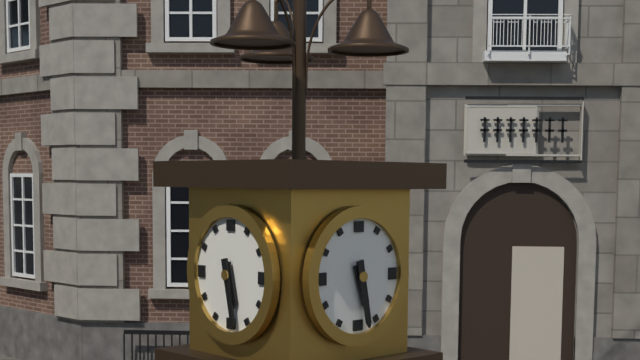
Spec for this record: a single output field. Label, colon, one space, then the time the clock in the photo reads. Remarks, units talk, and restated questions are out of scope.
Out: 5:28
